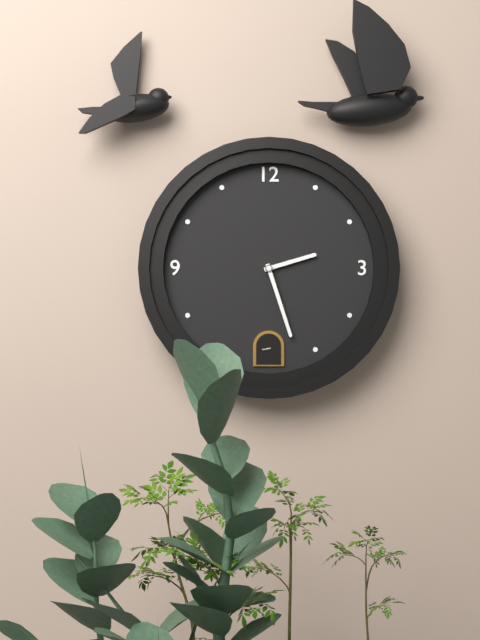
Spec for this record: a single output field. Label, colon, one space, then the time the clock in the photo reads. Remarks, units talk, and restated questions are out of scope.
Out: 2:27
